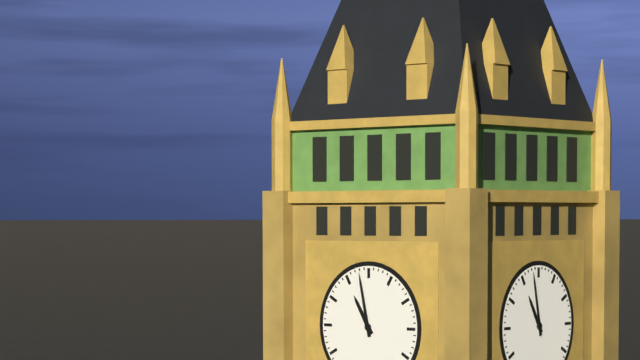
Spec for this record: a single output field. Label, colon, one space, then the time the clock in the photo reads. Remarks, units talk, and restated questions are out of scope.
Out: 10:58
